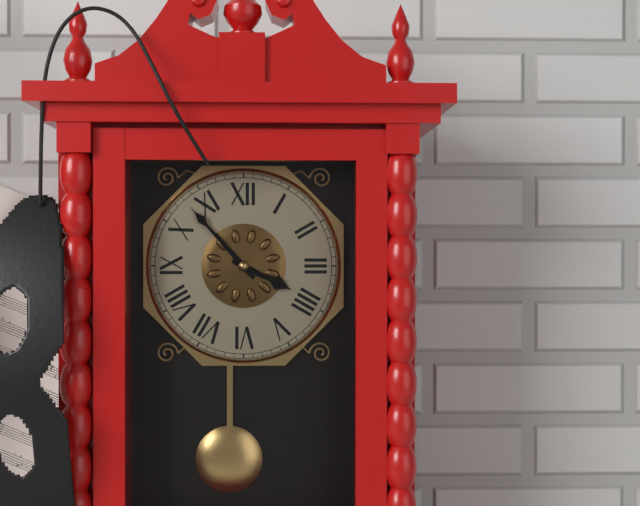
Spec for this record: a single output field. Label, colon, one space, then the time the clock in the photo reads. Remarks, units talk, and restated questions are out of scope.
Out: 3:53
